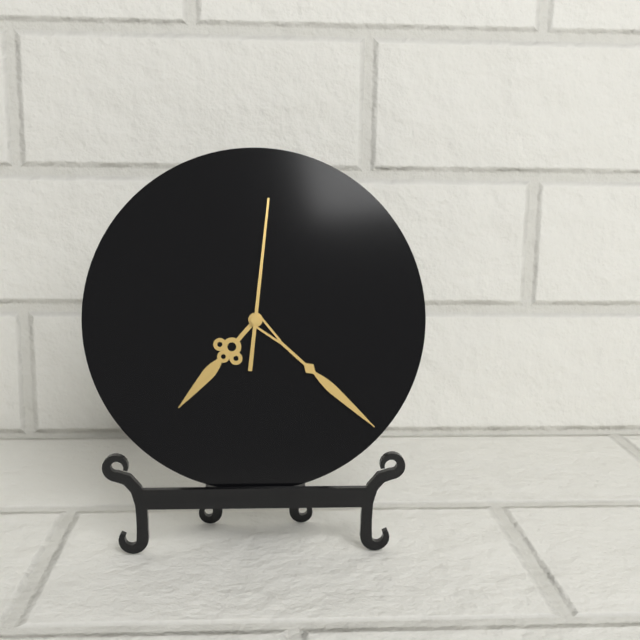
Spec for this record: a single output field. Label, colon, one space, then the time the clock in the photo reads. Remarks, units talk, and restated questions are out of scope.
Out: 7:22:01
